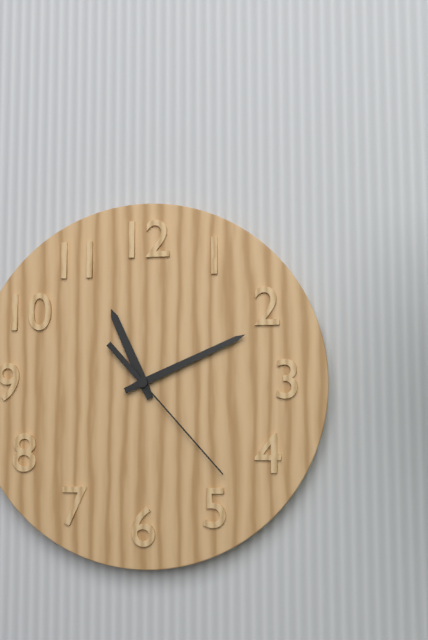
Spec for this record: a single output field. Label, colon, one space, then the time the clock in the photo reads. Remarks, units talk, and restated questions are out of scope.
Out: 11:11:23
